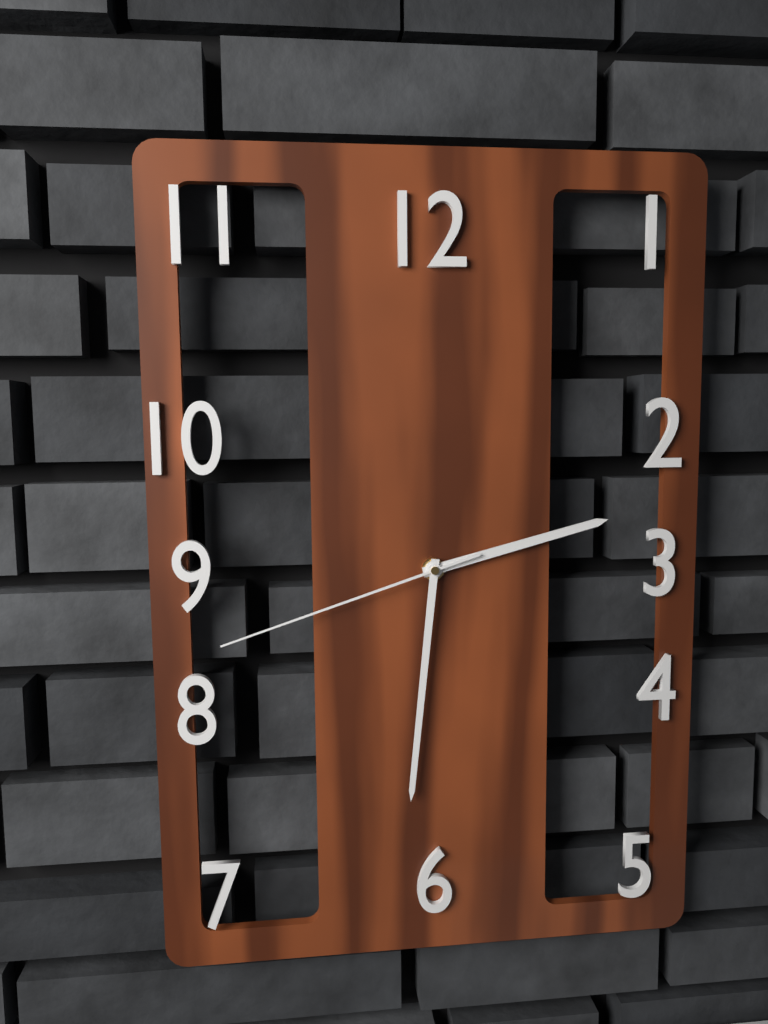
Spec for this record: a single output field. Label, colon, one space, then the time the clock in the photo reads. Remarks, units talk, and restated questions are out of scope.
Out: 2:31:42
